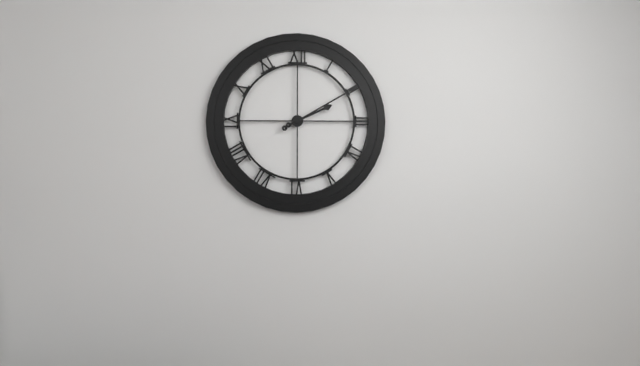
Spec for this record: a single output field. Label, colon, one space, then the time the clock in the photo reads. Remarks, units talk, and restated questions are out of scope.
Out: 2:10
